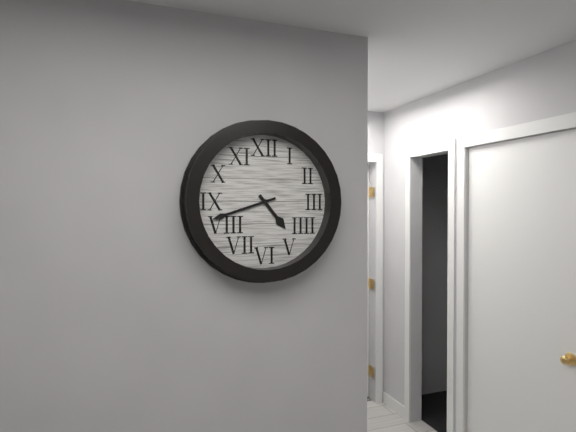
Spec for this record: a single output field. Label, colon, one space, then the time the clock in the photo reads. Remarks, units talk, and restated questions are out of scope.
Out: 4:42
